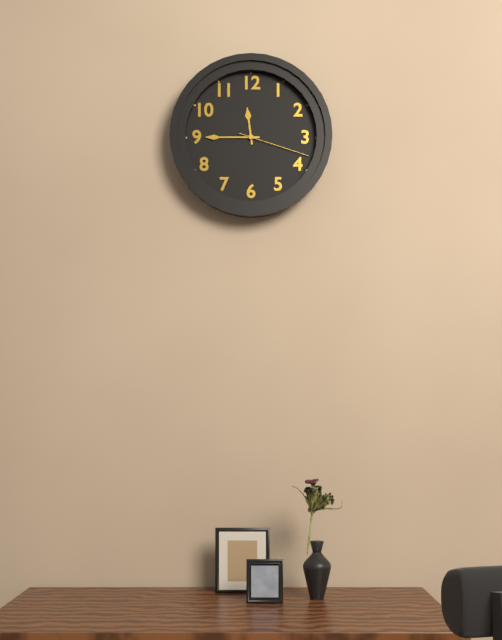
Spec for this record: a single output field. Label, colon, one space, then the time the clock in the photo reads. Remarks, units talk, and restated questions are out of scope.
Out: 11:45:18
